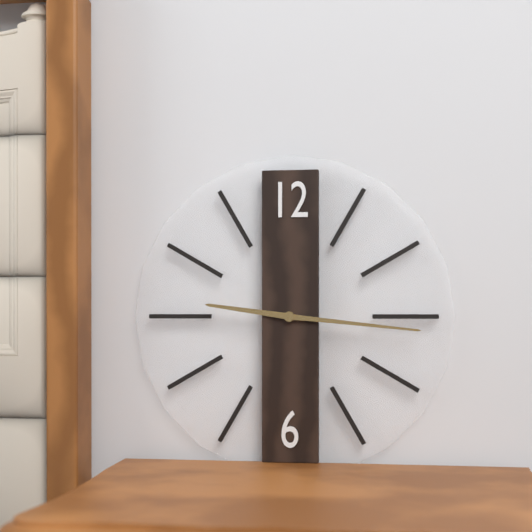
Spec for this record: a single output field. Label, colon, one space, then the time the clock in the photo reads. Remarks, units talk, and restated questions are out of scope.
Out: 9:16
